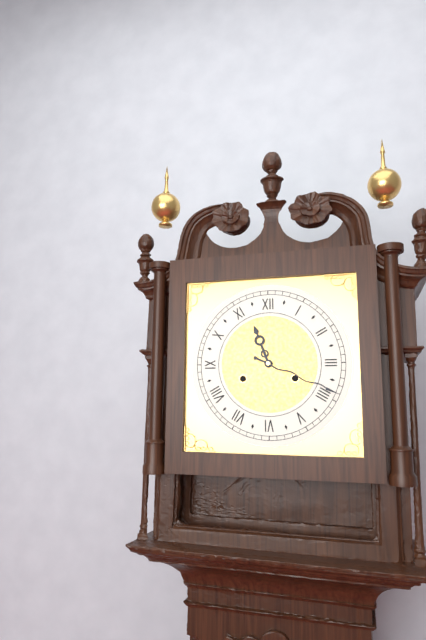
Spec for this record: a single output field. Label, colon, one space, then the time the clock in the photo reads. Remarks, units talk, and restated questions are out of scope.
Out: 11:19
